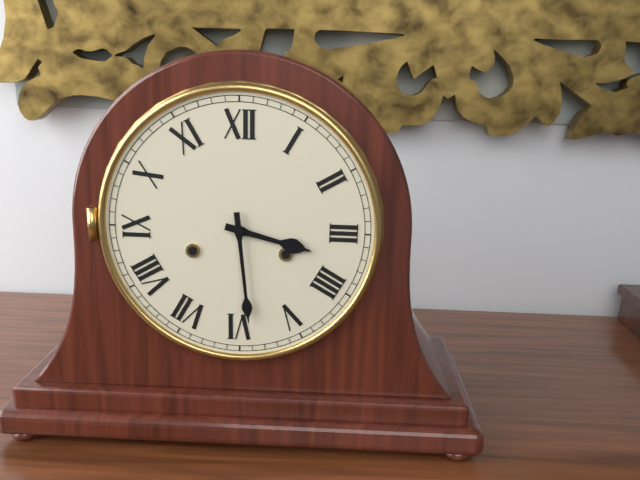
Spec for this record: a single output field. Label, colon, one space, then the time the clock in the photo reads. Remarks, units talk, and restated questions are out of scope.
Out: 3:29
